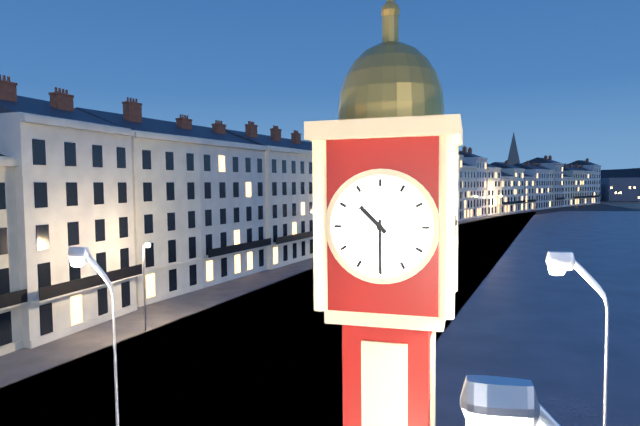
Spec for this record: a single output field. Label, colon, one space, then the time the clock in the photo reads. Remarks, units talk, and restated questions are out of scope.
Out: 10:30
